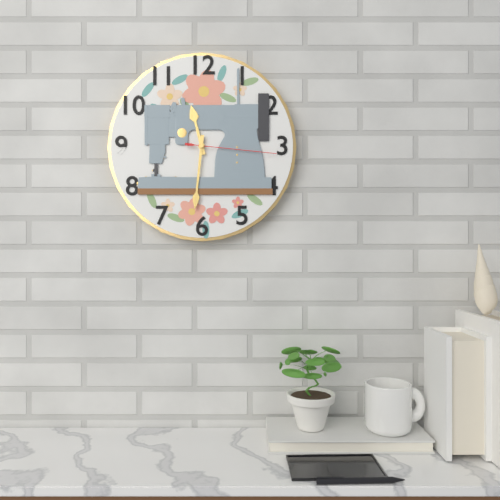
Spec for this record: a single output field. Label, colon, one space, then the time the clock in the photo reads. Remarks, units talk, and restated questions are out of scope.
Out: 11:31:16
